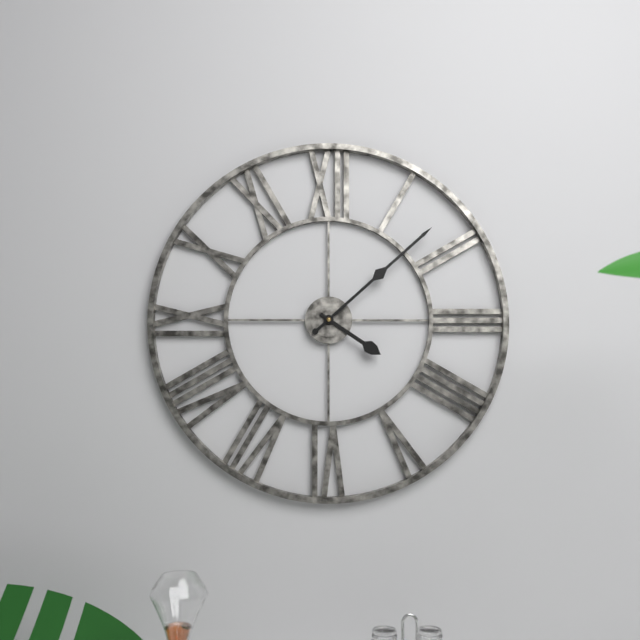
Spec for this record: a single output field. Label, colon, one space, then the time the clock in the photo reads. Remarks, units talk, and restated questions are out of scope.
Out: 4:08
